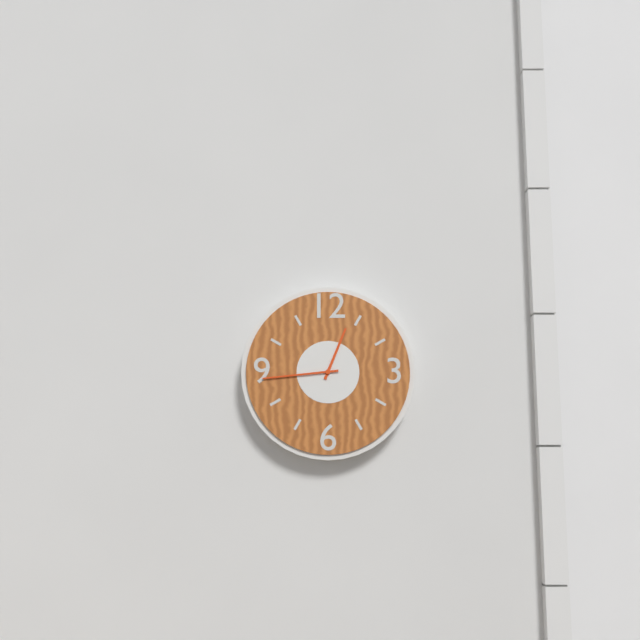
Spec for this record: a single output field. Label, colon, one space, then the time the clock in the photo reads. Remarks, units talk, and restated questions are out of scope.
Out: 12:44
